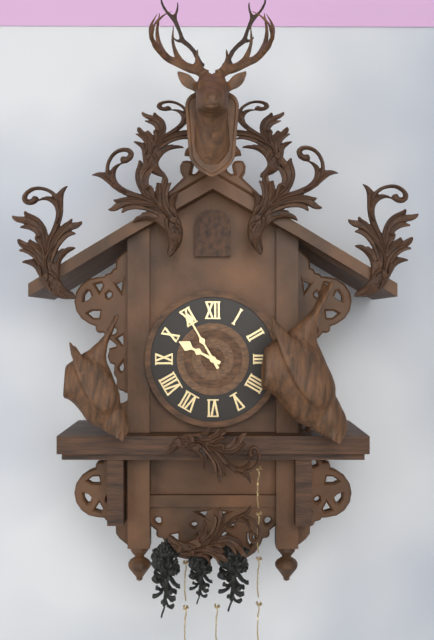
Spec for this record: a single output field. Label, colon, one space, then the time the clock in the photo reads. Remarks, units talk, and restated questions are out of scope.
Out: 9:55
